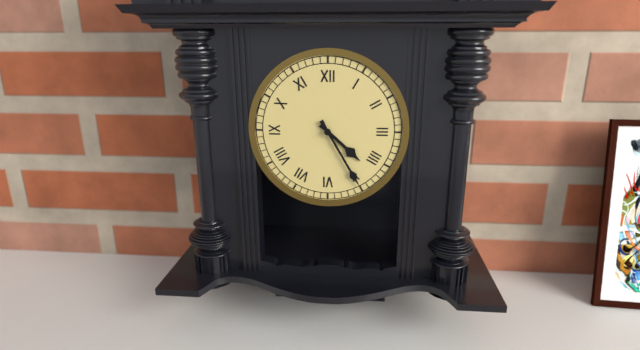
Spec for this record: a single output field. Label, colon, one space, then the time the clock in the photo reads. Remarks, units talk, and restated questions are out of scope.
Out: 4:25
